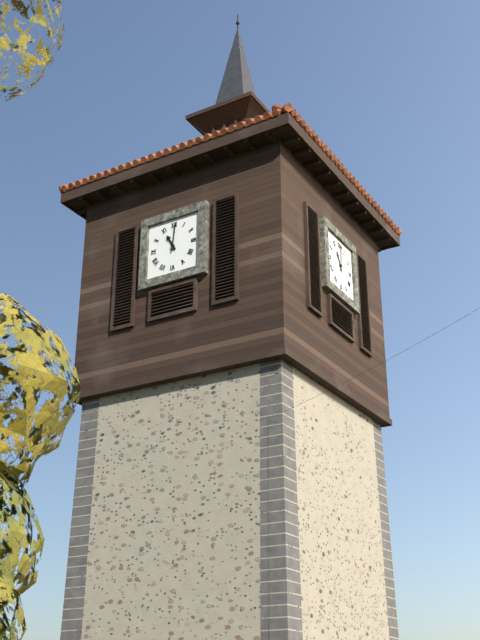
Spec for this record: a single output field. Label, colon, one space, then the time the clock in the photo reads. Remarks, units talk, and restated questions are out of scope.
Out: 11:01
